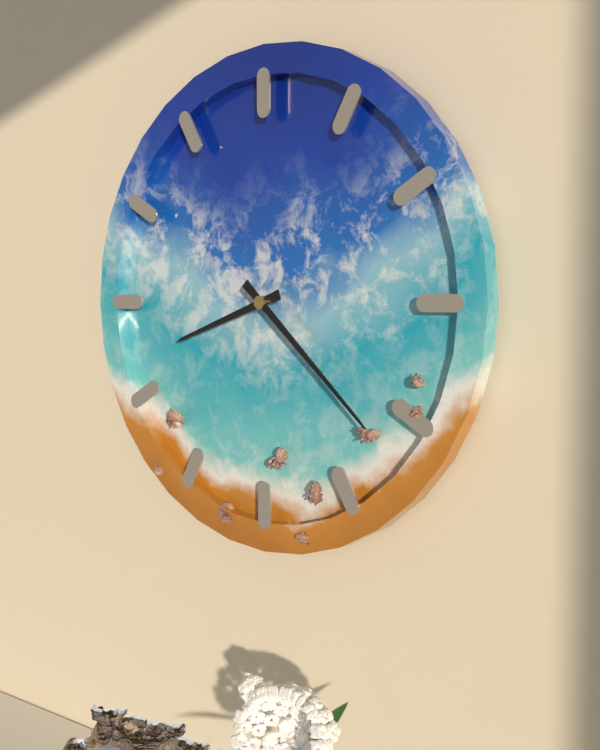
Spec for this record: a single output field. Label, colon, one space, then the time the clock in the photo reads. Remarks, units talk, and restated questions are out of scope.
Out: 8:22
